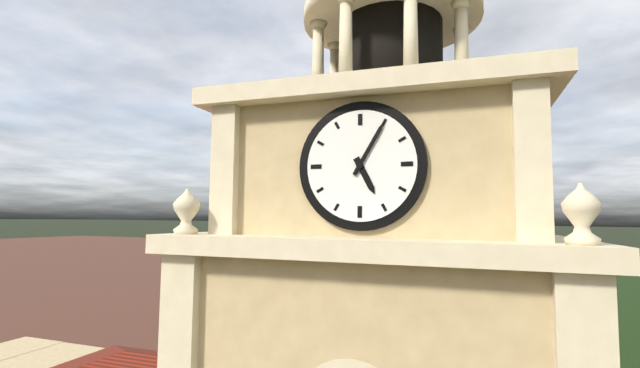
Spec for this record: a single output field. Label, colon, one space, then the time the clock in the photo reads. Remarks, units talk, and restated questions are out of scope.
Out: 5:05
